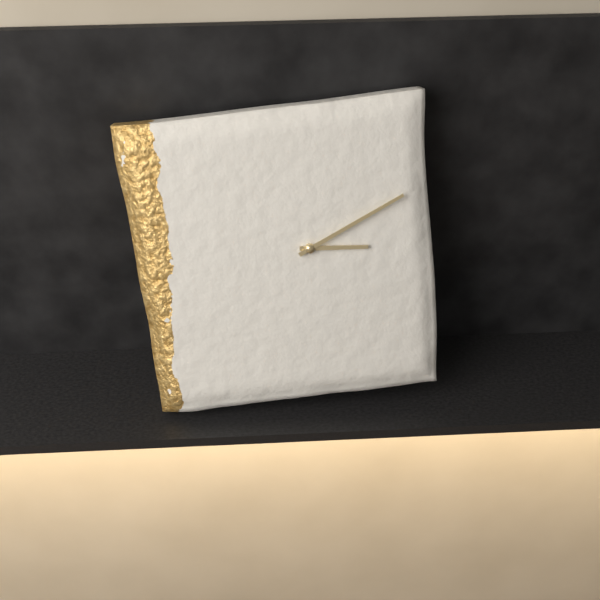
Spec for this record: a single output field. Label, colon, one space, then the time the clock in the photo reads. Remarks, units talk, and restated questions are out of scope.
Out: 3:11
